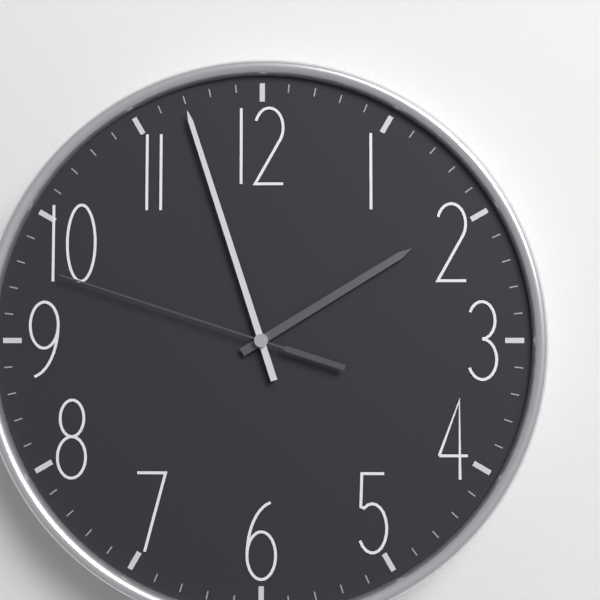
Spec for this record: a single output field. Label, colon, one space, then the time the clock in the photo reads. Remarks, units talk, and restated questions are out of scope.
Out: 1:57:48
